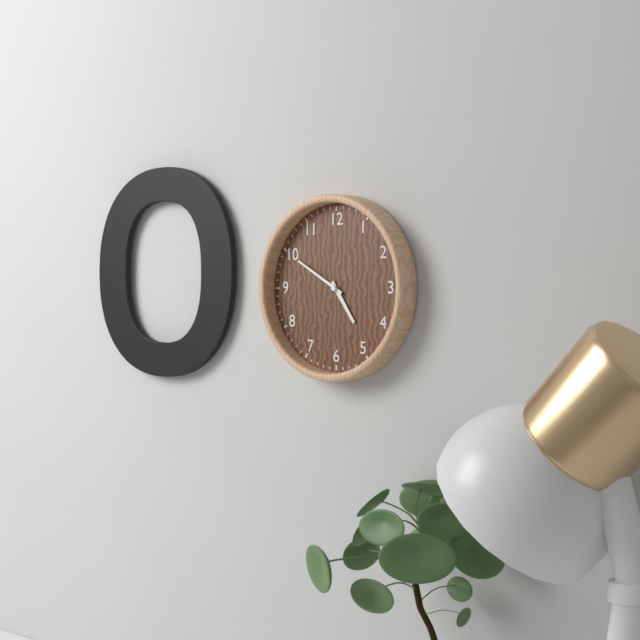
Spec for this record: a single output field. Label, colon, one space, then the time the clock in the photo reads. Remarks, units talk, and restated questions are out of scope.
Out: 4:50
